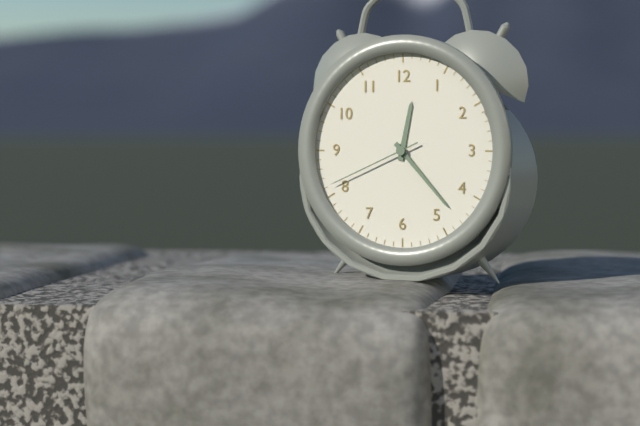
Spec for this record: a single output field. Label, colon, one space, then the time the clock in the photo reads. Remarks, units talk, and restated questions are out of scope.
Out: 12:23:41
